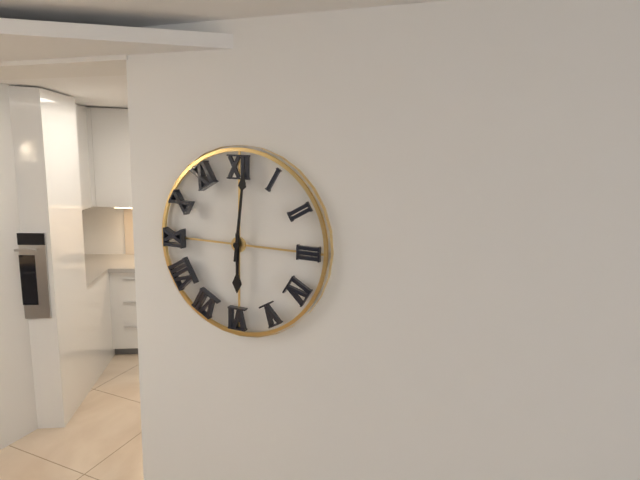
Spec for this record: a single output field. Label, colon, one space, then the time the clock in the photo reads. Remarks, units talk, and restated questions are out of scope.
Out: 6:01
